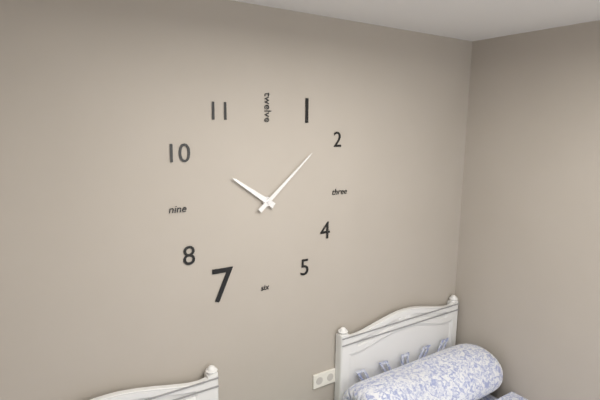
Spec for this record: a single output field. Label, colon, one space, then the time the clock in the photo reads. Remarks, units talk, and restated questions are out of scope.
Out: 10:08
